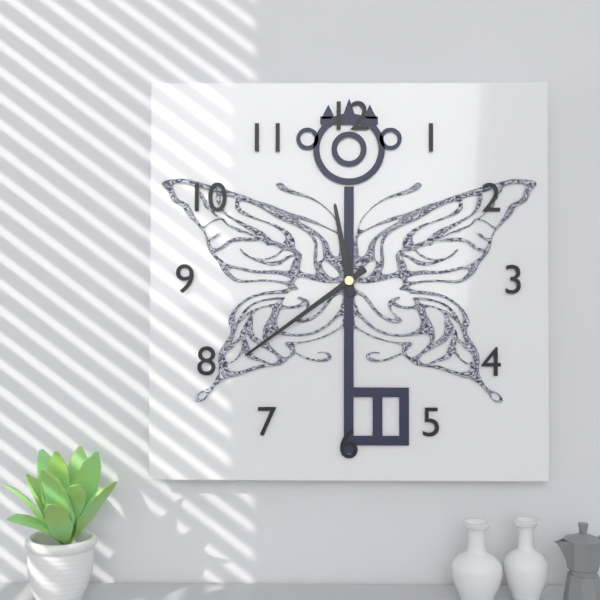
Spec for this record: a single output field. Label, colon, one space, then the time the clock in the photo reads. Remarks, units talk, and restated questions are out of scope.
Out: 11:39
